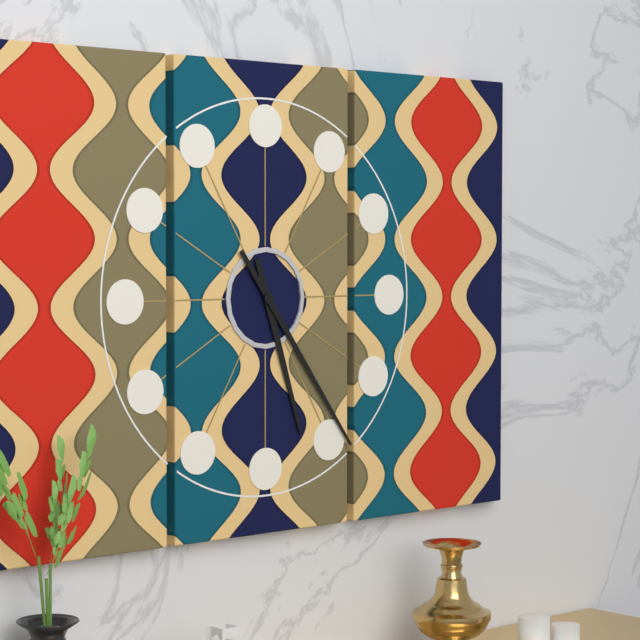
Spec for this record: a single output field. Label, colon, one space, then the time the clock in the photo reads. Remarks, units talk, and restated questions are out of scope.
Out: 5:24
